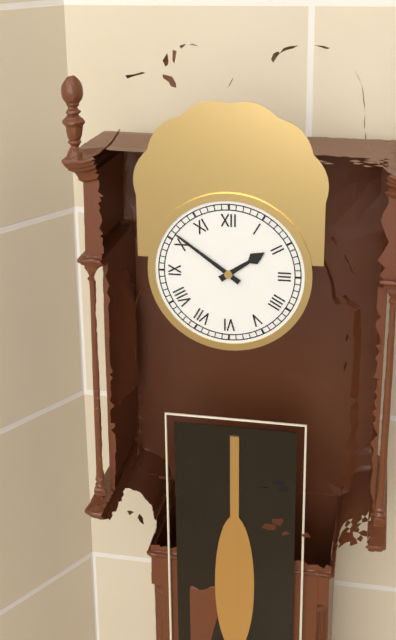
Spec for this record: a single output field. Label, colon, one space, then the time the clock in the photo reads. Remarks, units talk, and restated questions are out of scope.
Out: 1:51
